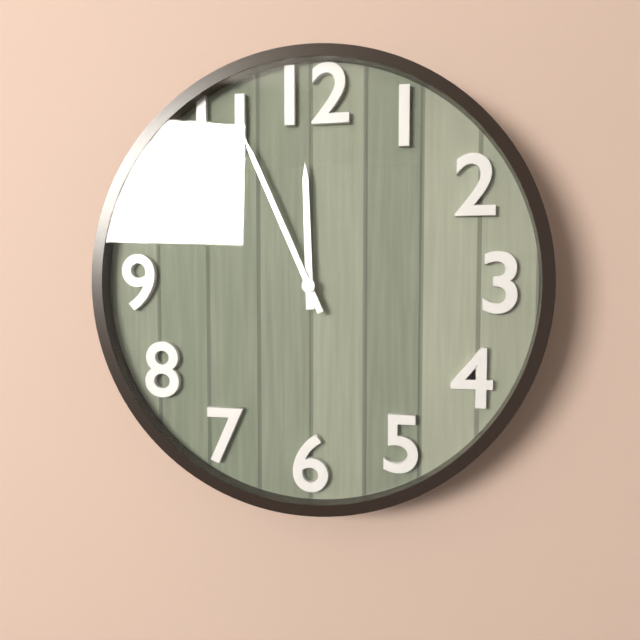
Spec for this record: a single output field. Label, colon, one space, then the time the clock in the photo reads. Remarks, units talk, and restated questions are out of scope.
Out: 11:56
